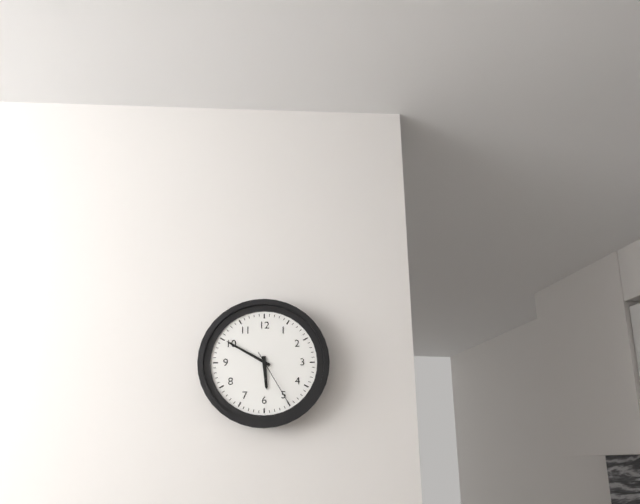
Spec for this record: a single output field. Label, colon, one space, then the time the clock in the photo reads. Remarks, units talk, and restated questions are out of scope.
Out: 5:50:25
